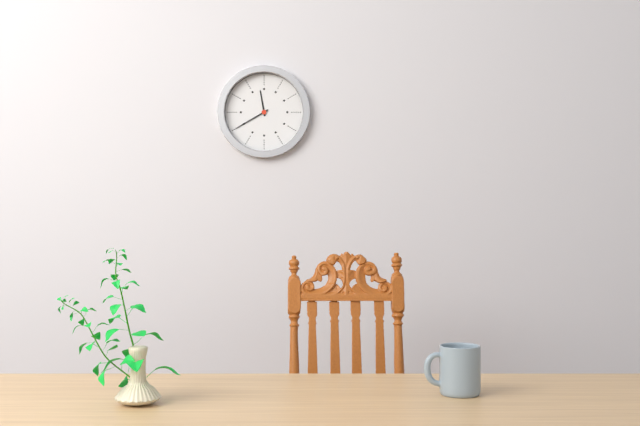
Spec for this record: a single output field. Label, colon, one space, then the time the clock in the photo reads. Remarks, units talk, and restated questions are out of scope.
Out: 11:40
